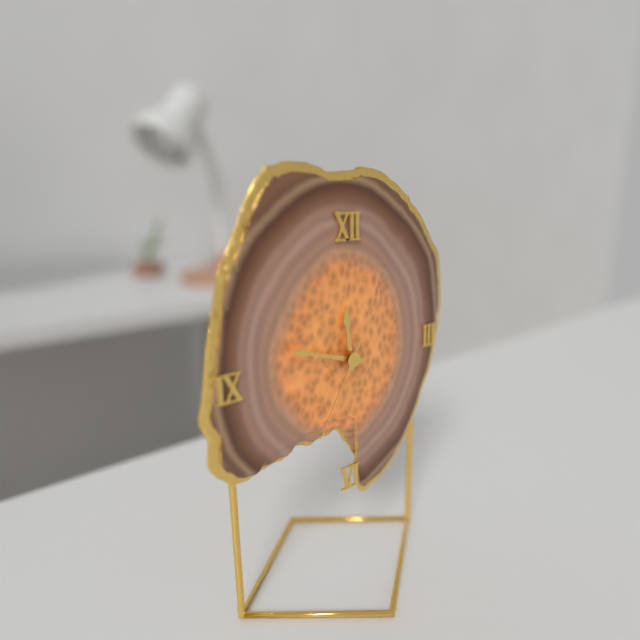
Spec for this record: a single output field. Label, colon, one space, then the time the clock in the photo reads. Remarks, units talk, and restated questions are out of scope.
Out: 11:48:35
